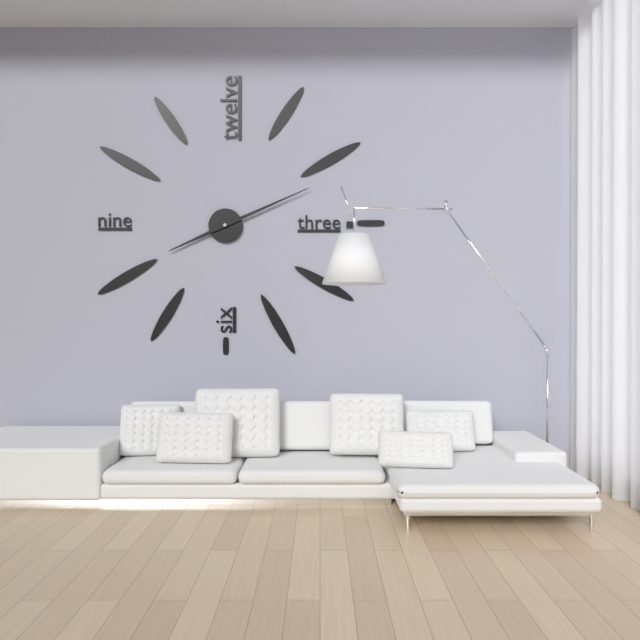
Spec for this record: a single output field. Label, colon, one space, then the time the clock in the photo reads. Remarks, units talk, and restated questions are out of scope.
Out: 8:11
